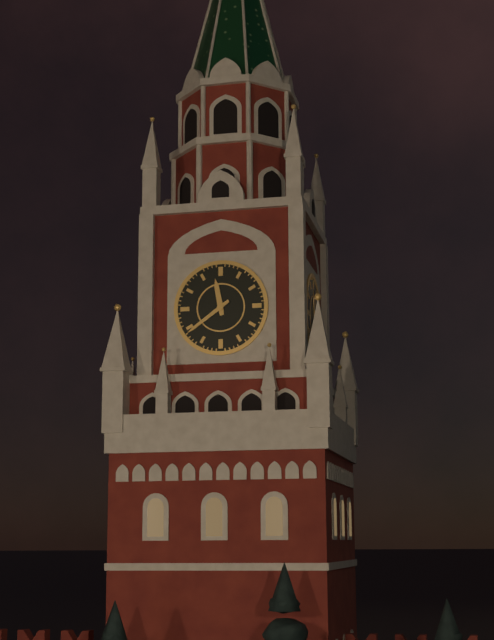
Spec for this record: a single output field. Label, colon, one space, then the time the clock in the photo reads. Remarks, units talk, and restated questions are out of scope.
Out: 11:39
